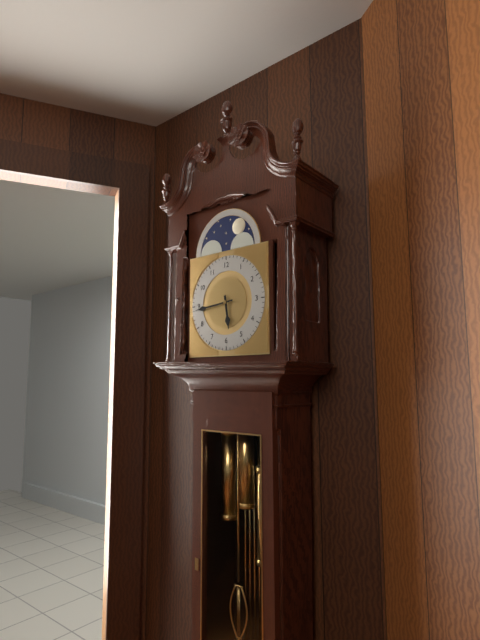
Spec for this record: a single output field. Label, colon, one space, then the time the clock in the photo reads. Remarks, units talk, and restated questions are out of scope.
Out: 5:44
